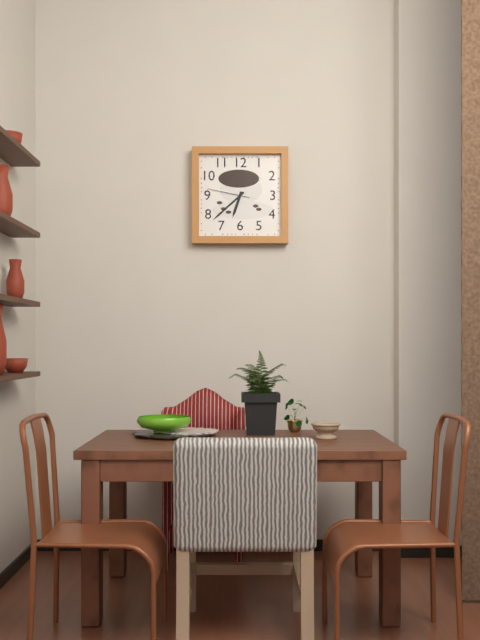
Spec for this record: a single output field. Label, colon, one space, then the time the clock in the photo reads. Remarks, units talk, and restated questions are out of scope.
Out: 6:38
